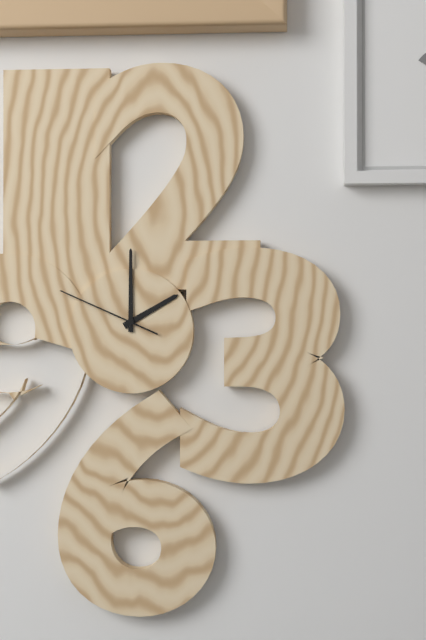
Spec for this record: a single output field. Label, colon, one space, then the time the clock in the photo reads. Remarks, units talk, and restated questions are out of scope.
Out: 2:00:49
